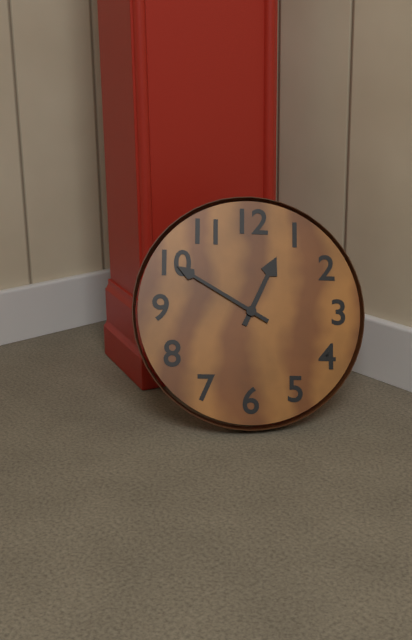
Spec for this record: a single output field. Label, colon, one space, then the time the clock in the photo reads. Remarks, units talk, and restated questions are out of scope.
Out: 12:50
